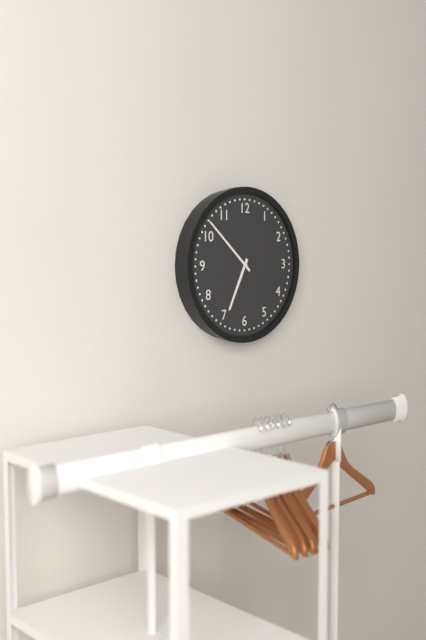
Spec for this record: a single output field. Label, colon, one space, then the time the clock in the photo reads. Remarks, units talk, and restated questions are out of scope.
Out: 6:52
